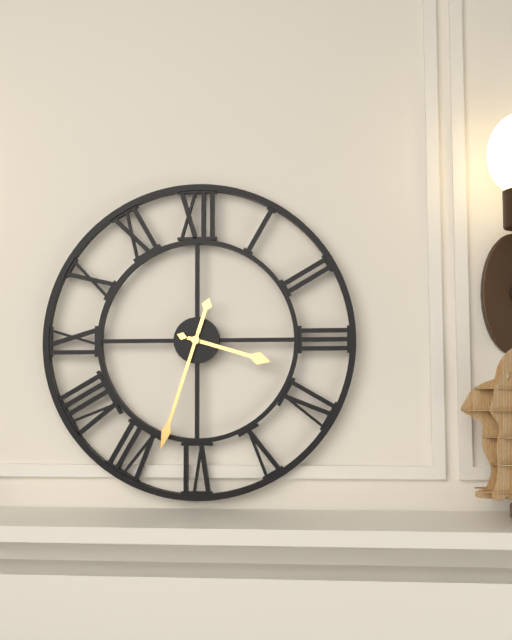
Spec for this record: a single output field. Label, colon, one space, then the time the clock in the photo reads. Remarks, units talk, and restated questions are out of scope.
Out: 3:33
